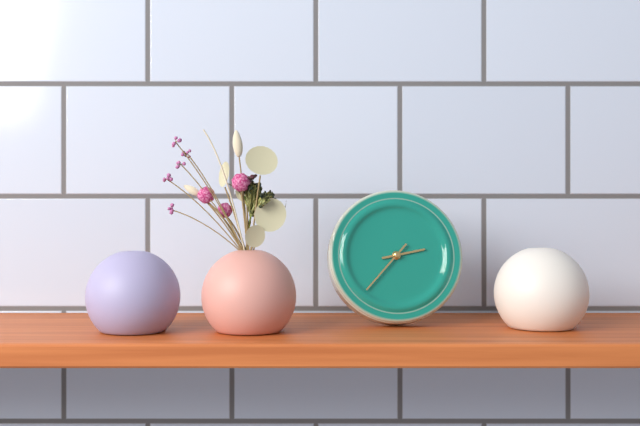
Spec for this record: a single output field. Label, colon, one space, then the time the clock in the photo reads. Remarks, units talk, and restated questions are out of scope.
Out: 2:37
